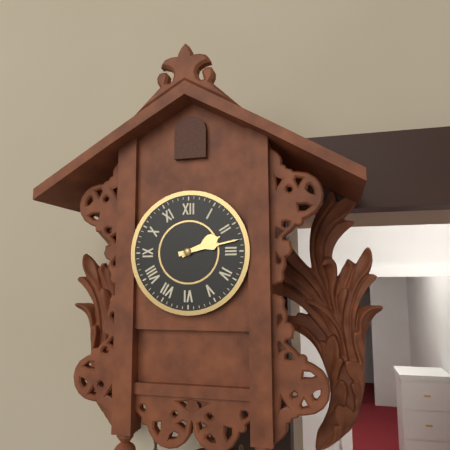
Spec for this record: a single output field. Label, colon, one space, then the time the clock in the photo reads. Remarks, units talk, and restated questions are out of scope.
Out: 2:13
